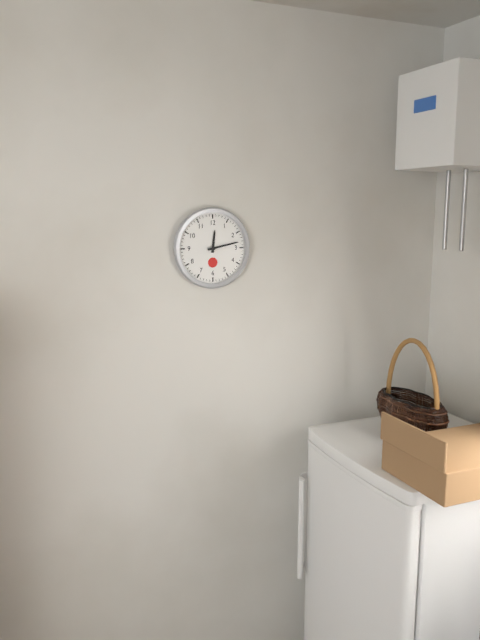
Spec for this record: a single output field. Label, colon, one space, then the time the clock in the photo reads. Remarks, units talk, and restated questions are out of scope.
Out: 12:13
